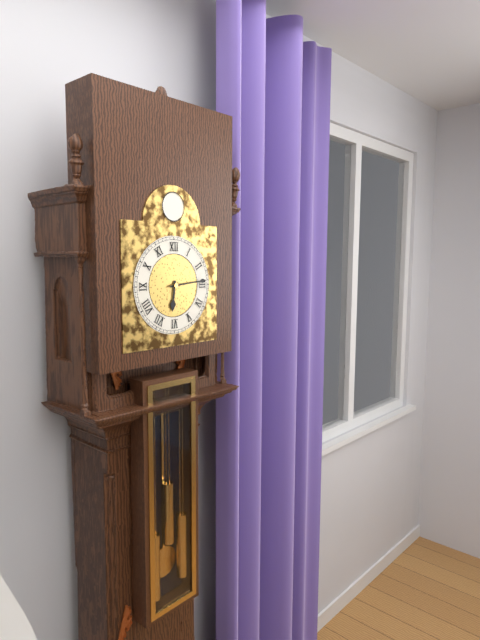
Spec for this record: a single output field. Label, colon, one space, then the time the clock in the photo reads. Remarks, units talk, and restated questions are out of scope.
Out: 6:14
